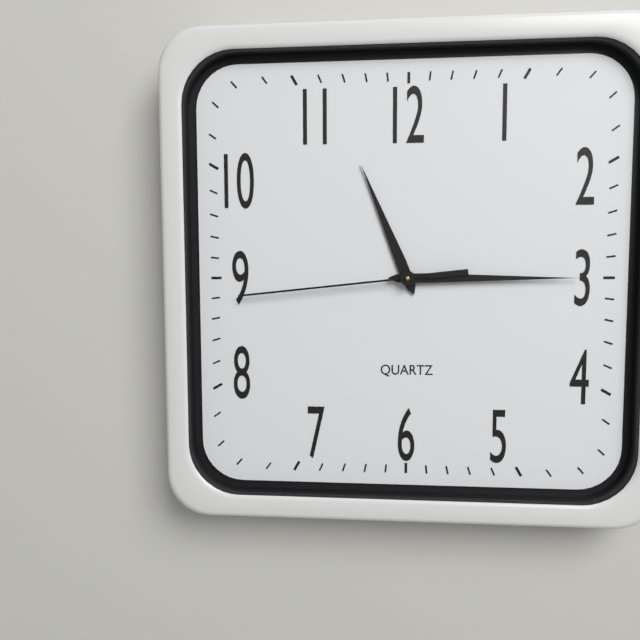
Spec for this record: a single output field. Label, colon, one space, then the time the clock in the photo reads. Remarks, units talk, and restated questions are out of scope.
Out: 11:15:44
